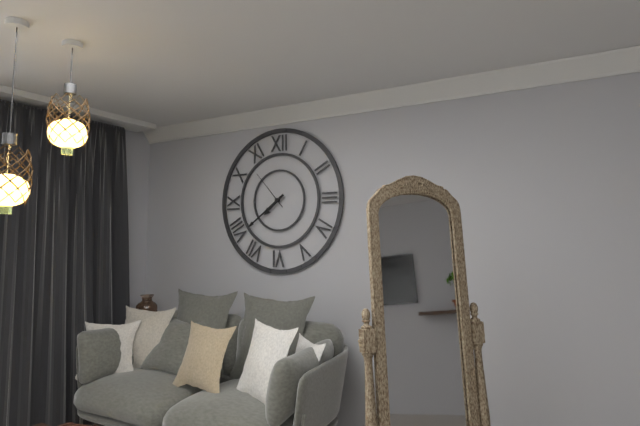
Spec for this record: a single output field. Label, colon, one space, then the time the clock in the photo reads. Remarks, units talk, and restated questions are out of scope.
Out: 7:39
